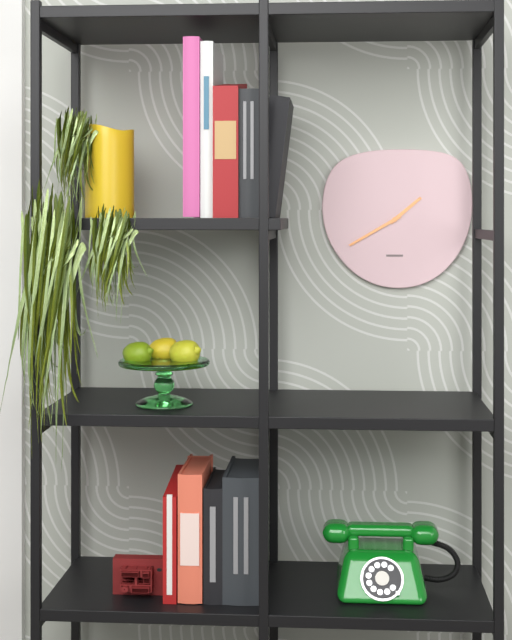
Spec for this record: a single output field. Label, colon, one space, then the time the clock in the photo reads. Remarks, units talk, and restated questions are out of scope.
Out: 1:40
